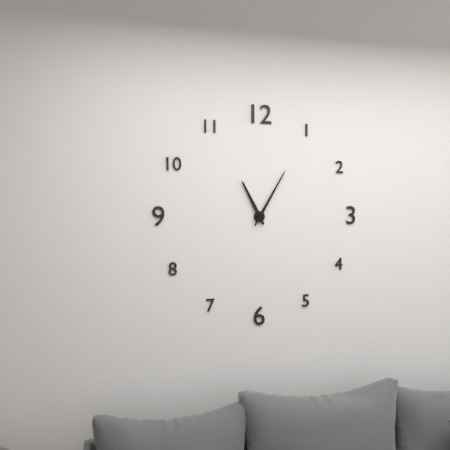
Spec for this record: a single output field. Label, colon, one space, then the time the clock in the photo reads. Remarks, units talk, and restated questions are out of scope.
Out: 11:05
